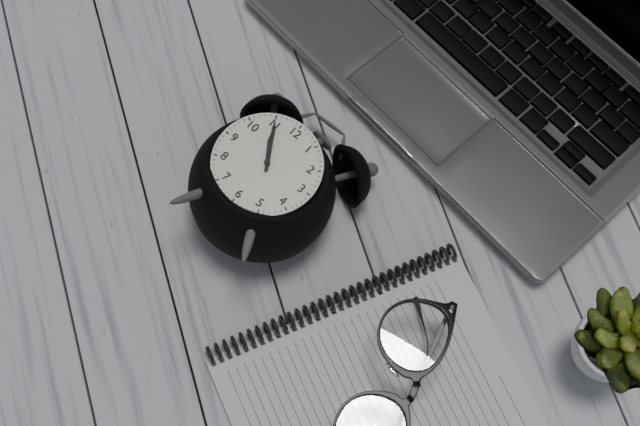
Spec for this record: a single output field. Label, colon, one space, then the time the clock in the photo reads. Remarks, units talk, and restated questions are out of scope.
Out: 10:55
